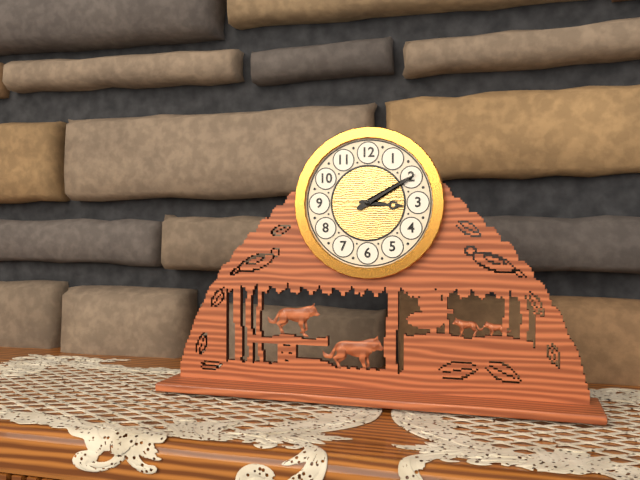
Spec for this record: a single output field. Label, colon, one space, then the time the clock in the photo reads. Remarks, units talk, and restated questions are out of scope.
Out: 3:10
